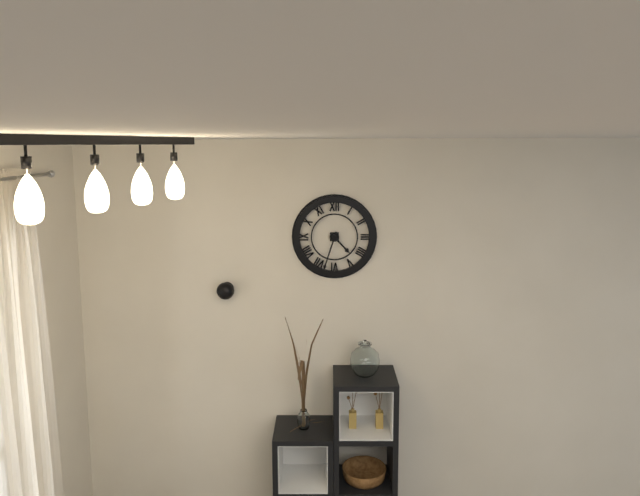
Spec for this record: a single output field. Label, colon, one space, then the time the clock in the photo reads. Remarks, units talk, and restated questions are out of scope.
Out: 4:33
